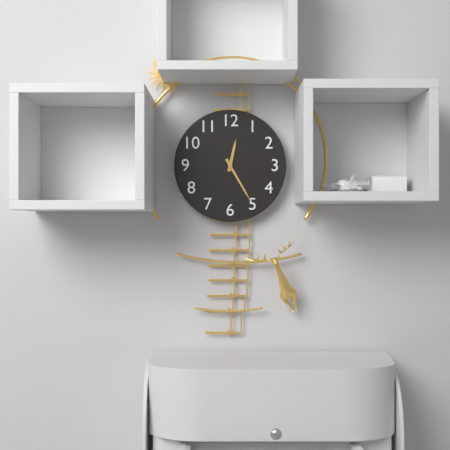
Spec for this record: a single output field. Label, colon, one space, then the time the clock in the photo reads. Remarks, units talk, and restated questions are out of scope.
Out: 12:25
